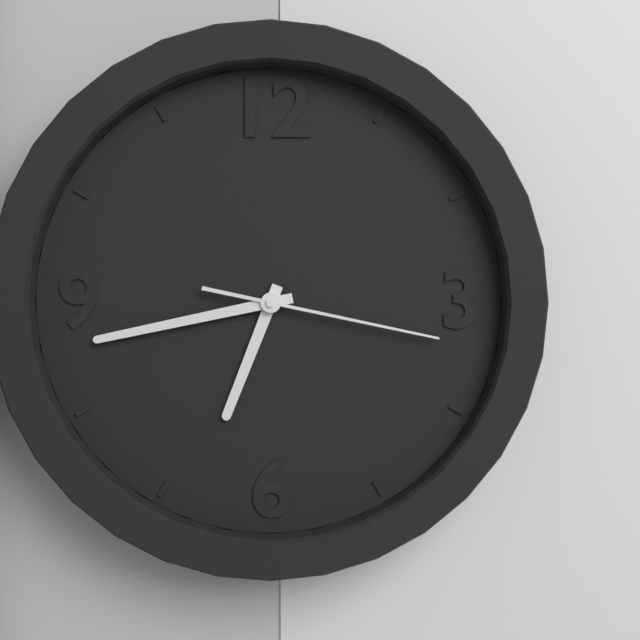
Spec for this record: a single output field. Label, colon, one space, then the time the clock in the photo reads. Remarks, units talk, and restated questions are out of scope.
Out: 6:43:17
